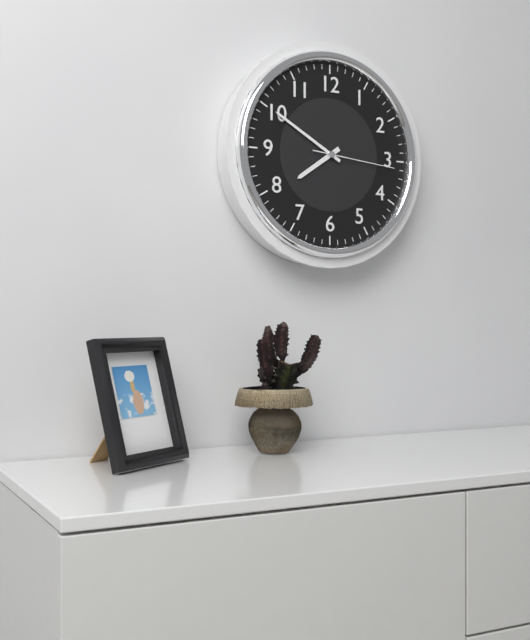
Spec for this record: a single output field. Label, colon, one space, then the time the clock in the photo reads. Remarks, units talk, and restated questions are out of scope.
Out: 7:50:16
